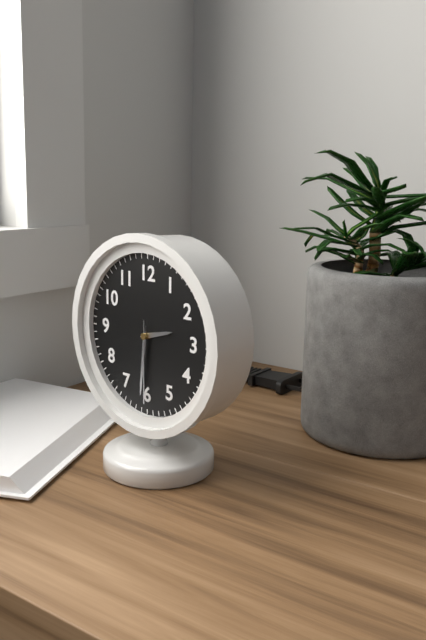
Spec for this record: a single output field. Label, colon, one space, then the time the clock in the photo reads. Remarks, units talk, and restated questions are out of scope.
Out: 2:31:30
